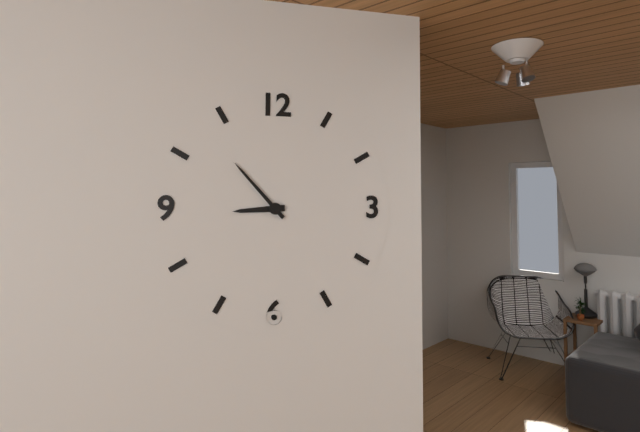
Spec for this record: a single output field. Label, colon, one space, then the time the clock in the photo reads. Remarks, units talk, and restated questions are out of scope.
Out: 8:53
